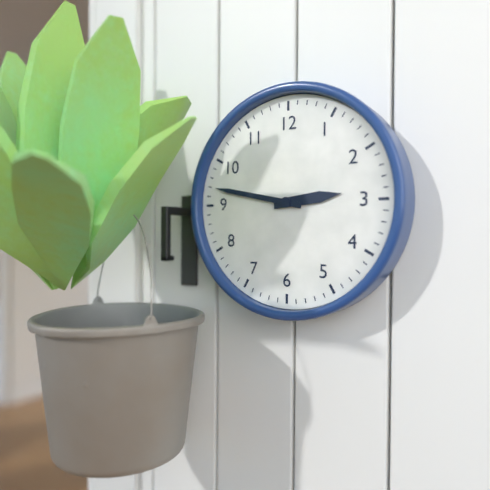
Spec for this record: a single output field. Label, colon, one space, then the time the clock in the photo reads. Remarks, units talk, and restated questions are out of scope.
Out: 2:47
